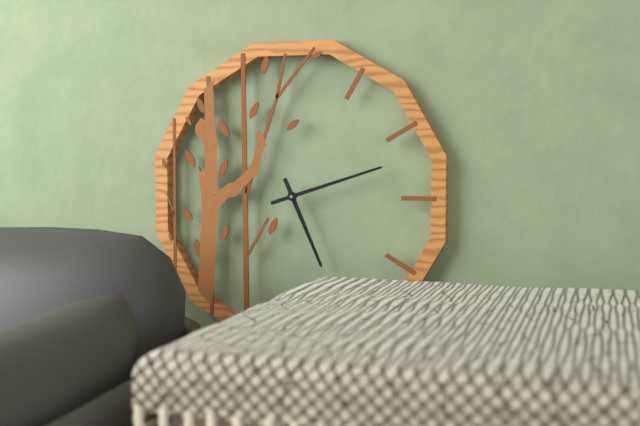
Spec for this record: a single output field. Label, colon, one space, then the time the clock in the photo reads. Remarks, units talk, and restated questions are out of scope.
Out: 5:12
